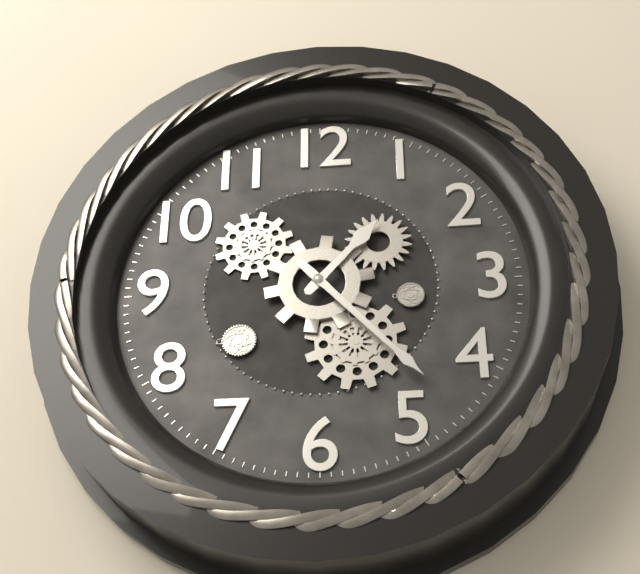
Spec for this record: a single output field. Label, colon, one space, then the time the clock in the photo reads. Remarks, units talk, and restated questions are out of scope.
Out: 1:23
